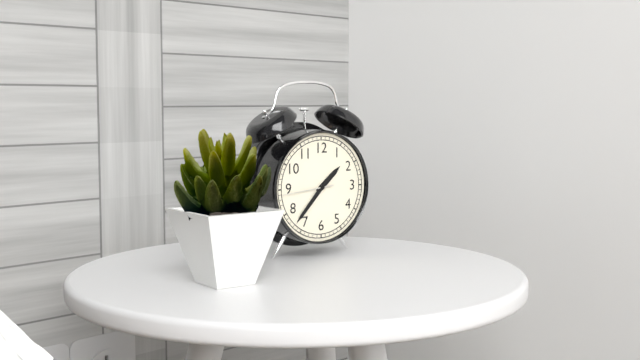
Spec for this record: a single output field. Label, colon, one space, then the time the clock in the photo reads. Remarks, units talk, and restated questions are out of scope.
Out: 1:37:44
